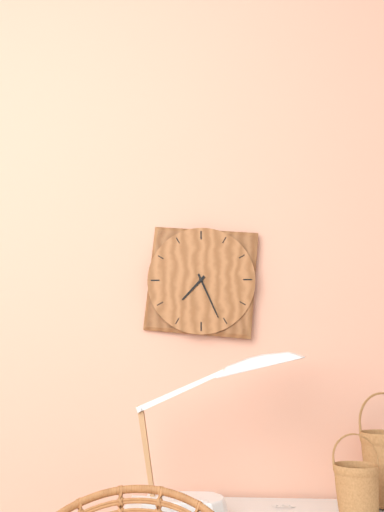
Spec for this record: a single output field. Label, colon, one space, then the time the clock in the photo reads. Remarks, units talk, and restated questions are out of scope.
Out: 7:26
